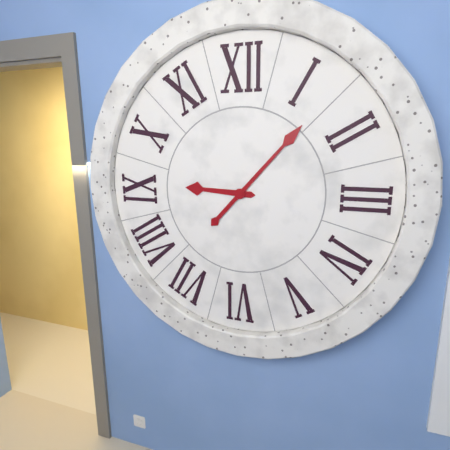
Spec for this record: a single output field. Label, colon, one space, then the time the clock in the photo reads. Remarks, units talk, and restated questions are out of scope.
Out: 9:07
